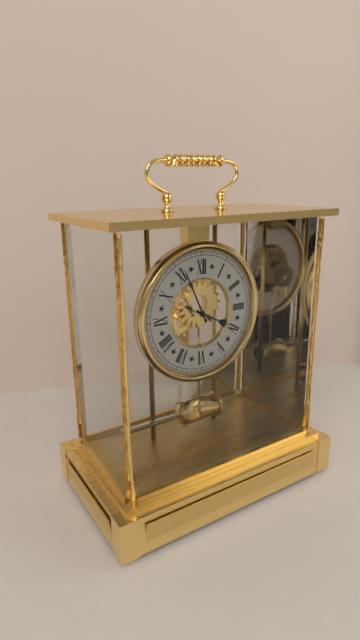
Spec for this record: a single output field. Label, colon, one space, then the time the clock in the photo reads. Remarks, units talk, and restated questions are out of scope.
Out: 3:56
